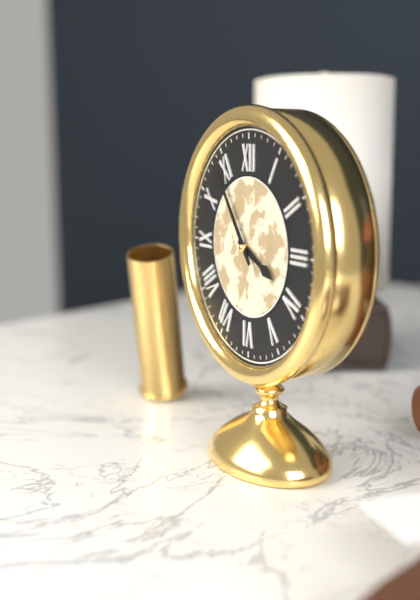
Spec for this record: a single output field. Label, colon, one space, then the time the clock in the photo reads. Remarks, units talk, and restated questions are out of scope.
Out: 3:54
